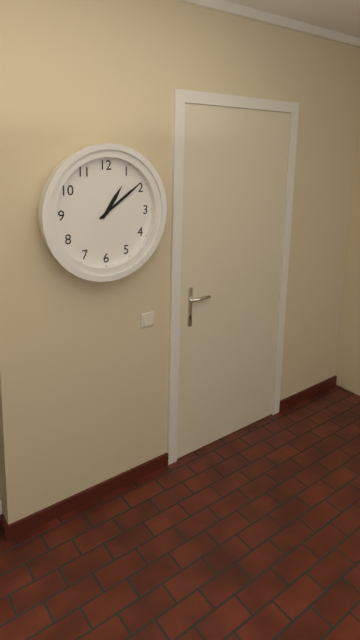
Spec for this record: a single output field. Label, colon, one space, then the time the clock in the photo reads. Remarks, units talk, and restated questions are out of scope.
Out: 1:09
